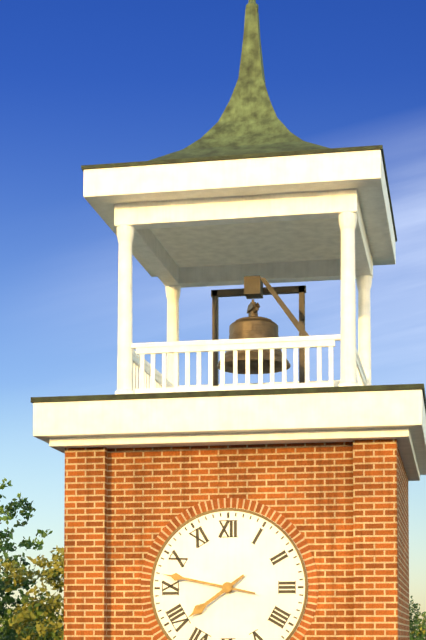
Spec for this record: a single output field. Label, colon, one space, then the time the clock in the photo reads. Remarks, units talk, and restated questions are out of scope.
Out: 7:47
